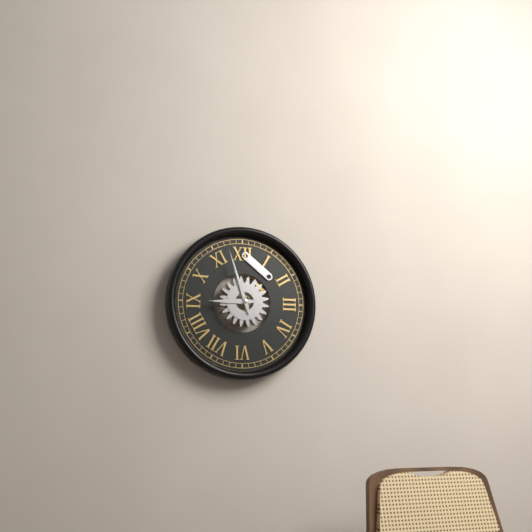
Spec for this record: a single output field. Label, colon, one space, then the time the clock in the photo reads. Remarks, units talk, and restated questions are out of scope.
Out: 8:57
